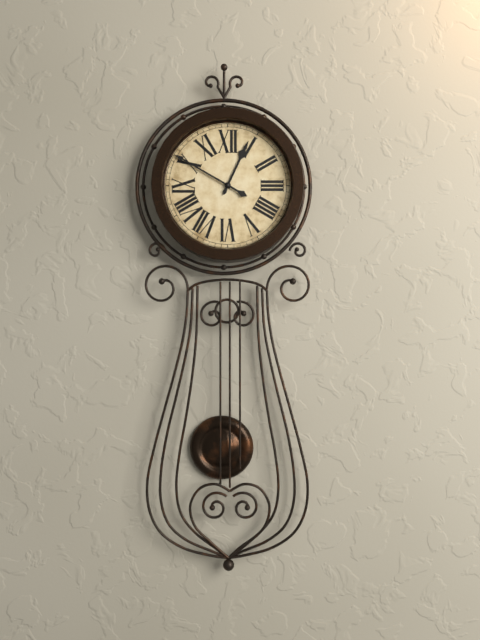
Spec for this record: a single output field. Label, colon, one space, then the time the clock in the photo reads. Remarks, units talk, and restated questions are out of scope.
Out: 12:50
